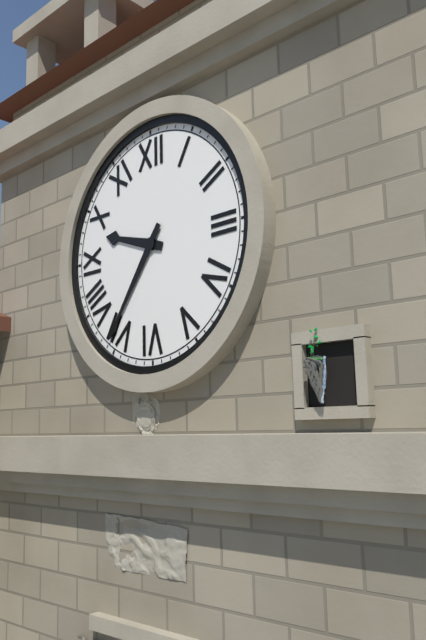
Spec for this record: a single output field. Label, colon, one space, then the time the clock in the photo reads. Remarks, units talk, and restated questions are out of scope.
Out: 9:36
